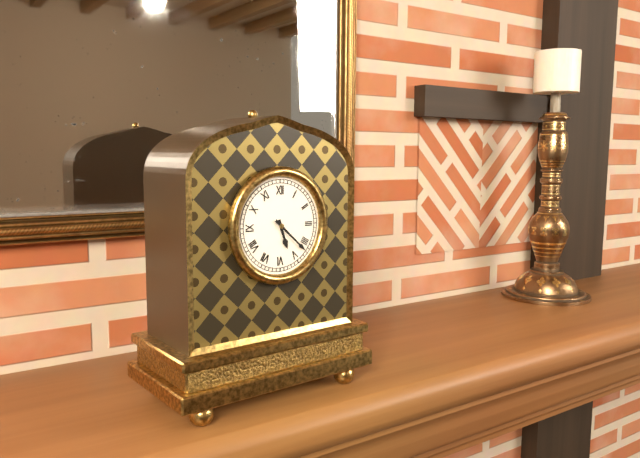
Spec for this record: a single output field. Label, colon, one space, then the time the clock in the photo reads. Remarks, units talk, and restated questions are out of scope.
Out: 5:22
